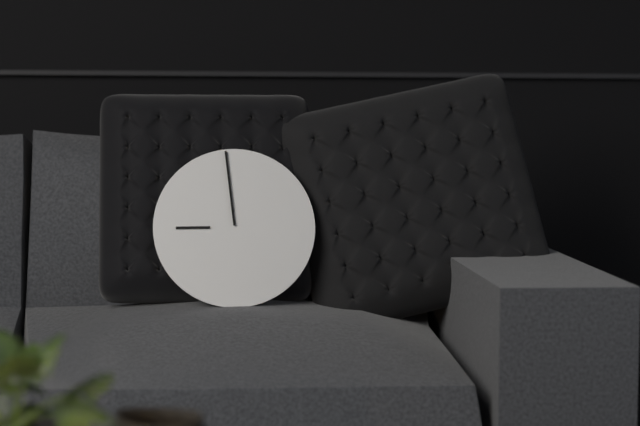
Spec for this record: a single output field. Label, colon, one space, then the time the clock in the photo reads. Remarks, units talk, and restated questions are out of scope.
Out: 8:59
